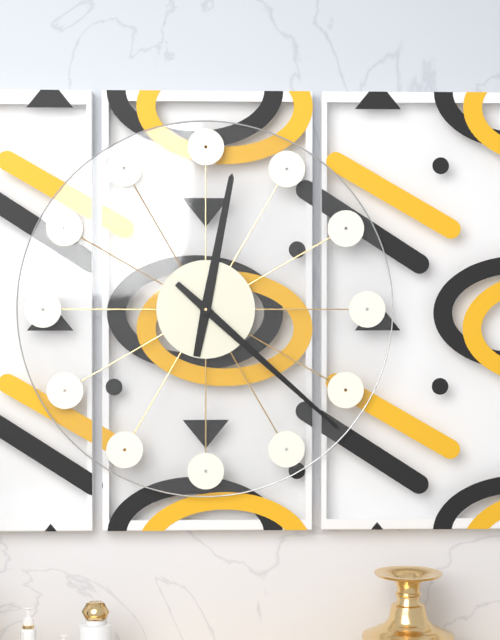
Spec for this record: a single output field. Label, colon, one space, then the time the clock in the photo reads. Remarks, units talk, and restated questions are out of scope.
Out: 12:22
